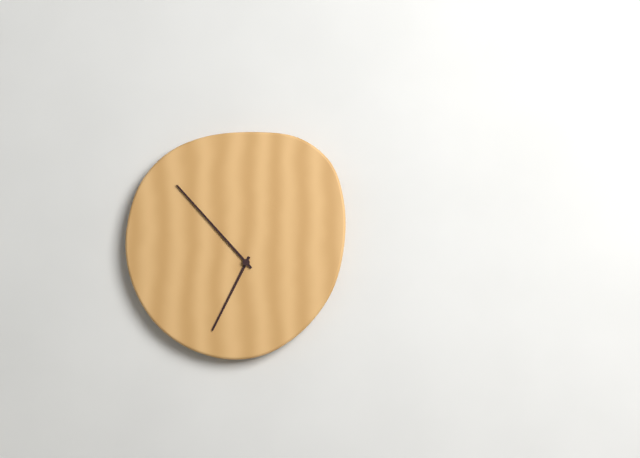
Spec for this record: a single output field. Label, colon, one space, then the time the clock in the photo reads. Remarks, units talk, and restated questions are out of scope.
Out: 6:53
